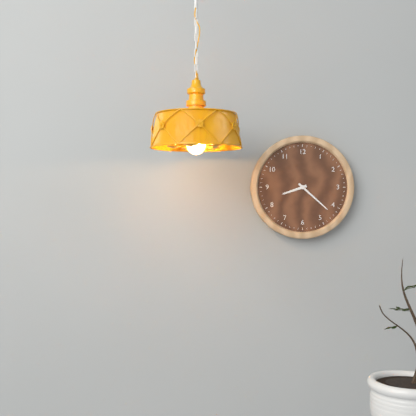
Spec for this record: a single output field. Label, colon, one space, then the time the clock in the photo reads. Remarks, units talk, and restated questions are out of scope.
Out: 8:22
